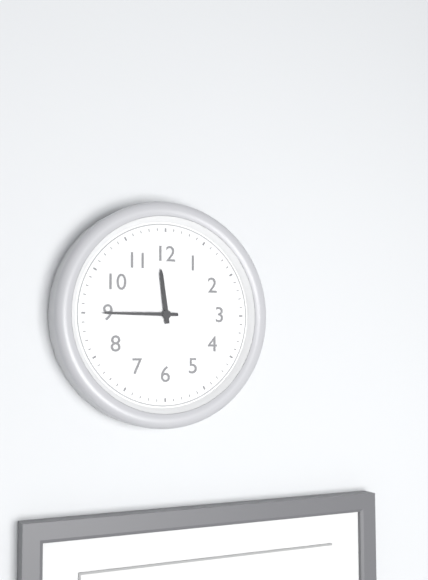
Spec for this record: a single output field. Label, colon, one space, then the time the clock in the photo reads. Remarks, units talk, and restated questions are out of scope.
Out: 11:45
